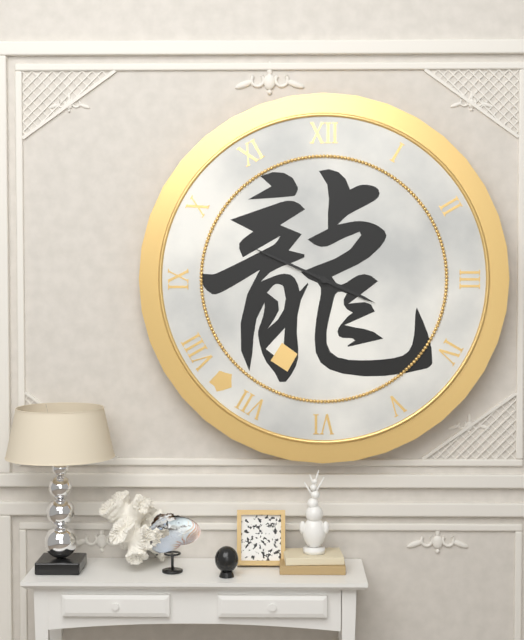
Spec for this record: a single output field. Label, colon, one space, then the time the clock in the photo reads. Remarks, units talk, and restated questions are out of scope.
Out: 3:49
